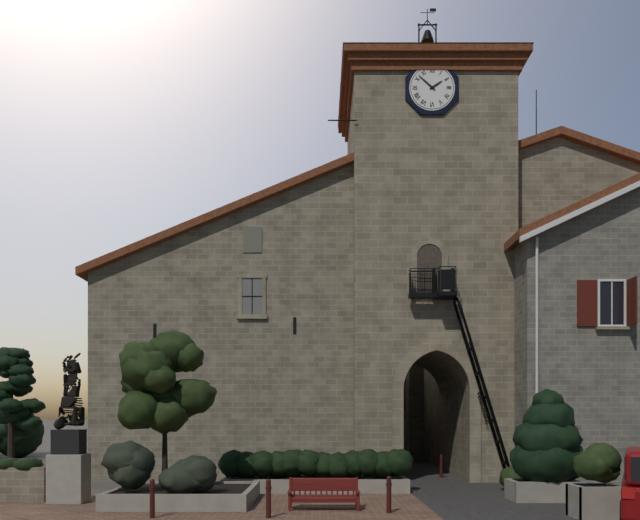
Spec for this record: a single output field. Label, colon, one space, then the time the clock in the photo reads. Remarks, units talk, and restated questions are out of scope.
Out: 1:52
